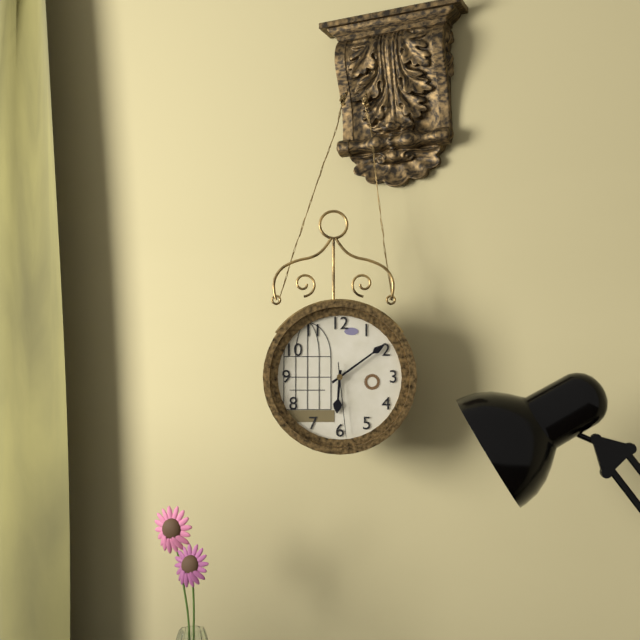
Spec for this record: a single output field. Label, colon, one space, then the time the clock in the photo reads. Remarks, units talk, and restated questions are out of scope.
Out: 6:09:29
